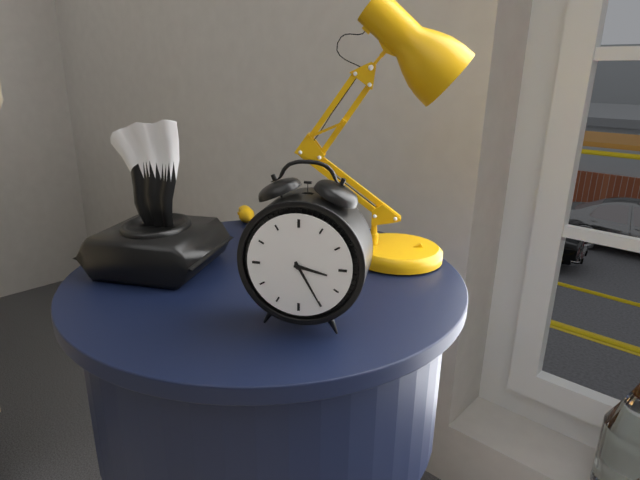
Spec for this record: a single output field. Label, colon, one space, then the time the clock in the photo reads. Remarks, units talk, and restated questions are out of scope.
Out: 3:25
